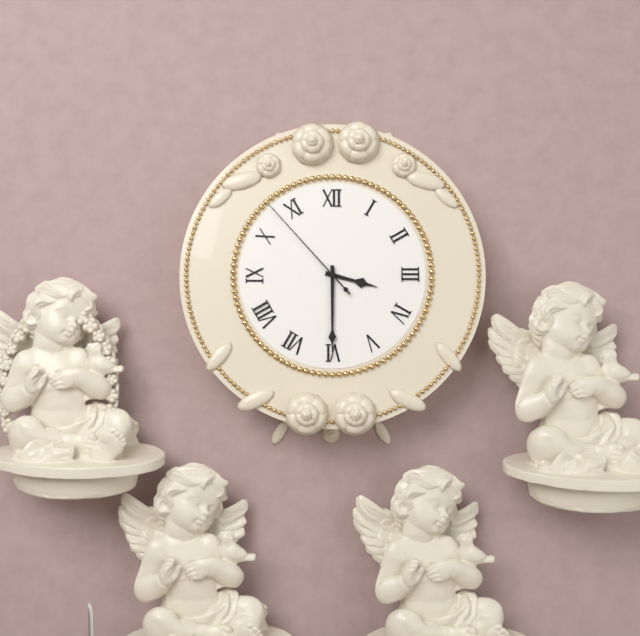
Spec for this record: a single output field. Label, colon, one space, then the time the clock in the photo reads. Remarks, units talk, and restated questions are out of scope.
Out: 3:30:53
